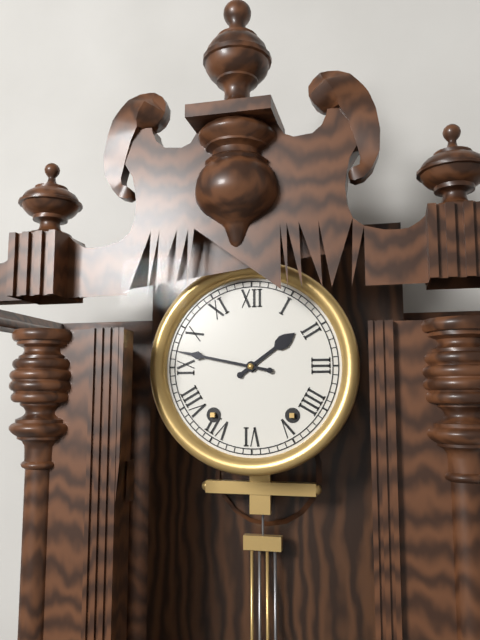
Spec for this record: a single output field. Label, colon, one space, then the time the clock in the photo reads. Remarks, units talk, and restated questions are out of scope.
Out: 1:47
